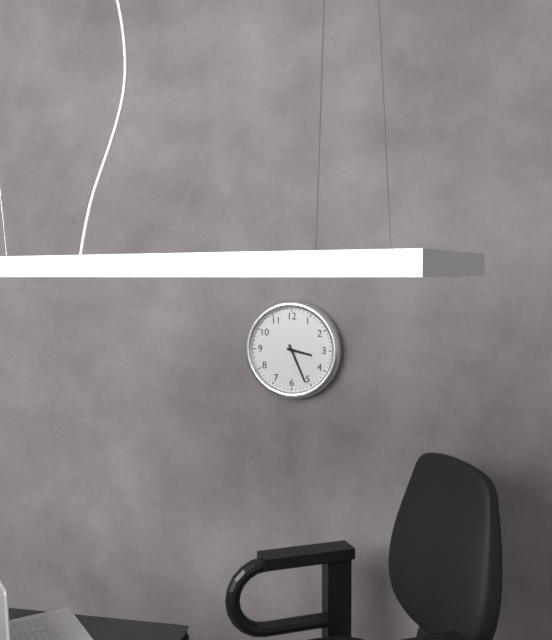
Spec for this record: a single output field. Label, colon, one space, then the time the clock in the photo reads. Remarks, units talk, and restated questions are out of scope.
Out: 3:26
